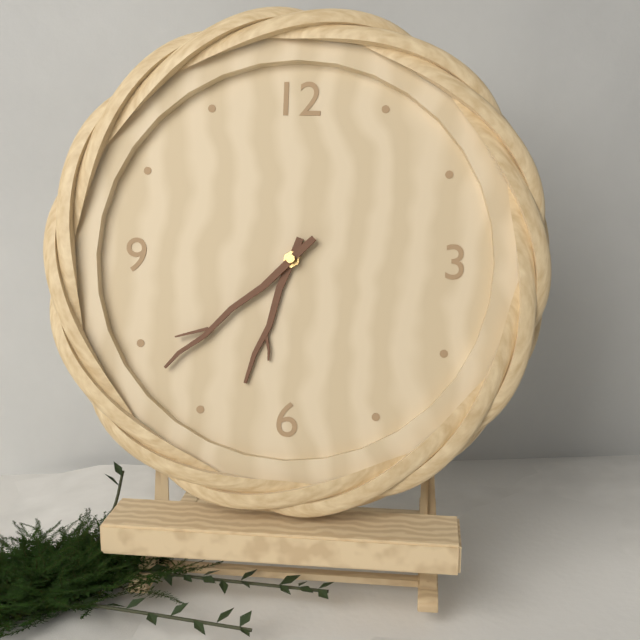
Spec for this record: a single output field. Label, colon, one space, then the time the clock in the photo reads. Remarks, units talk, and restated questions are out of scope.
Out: 6:38
